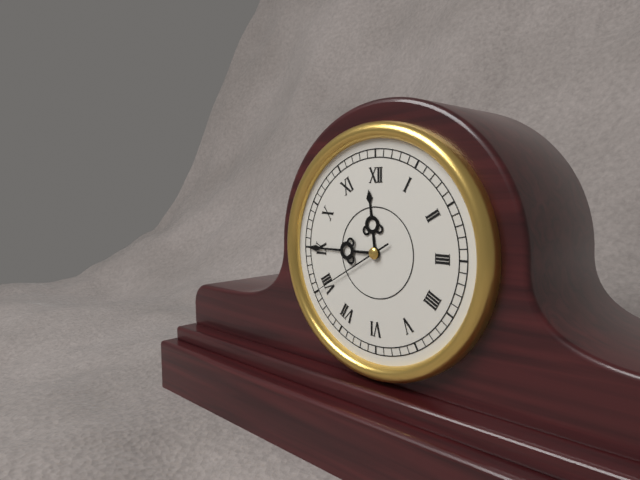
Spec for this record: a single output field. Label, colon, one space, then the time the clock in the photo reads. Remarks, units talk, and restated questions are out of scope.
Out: 11:45:40
